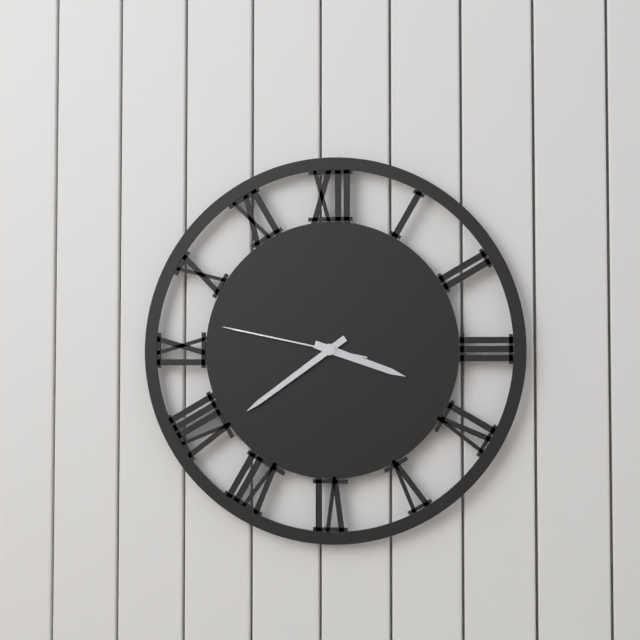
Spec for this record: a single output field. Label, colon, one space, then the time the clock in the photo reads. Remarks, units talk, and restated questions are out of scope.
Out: 3:39:47
